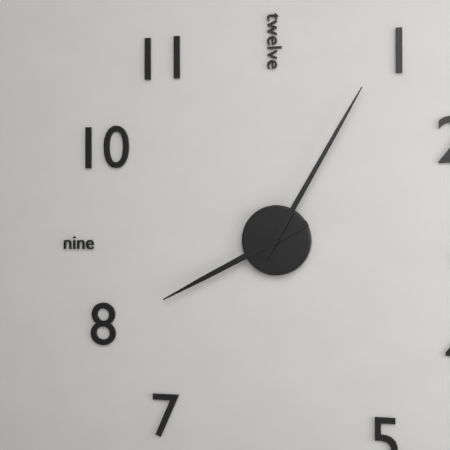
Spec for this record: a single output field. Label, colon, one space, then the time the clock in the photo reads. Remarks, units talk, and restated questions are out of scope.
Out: 8:05
